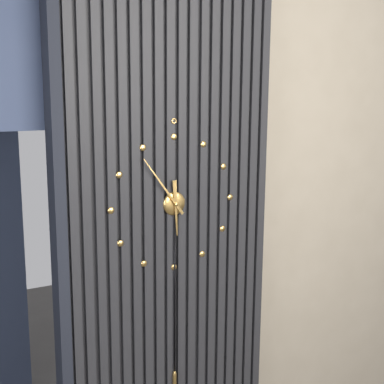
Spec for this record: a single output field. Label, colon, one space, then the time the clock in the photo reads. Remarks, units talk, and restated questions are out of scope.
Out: 5:54
